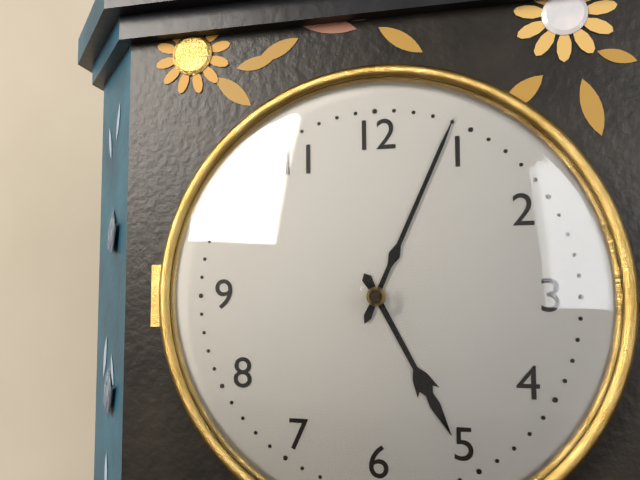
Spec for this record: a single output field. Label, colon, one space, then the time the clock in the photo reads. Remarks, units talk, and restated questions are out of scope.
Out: 5:04
